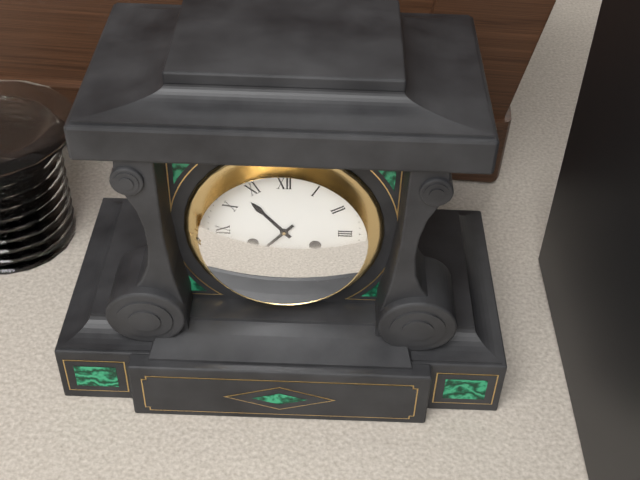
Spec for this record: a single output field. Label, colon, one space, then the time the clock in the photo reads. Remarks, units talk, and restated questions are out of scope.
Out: 10:37
